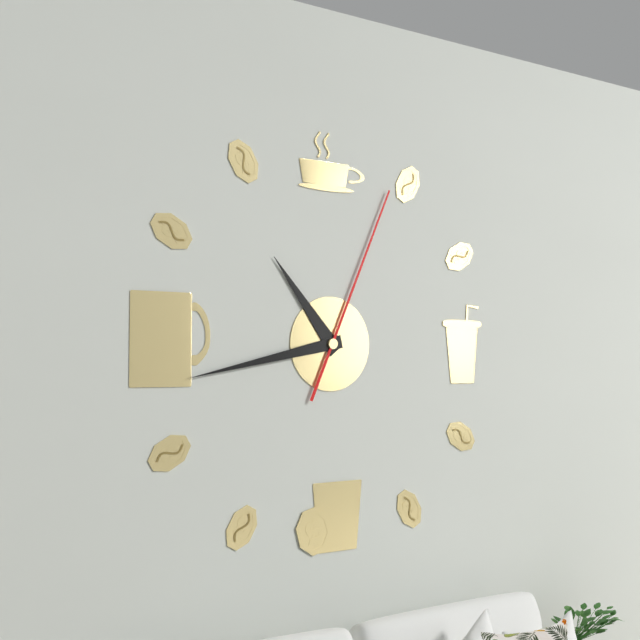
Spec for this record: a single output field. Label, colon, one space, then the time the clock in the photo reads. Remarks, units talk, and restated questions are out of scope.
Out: 10:43:04
